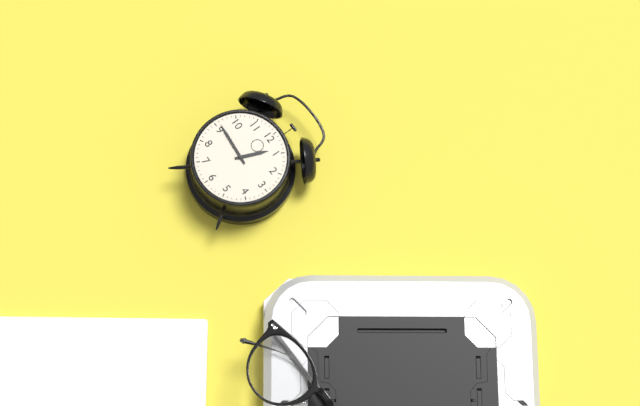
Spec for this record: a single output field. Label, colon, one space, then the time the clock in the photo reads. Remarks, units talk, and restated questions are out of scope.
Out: 12:46
